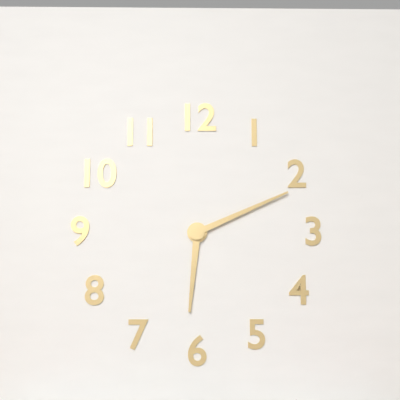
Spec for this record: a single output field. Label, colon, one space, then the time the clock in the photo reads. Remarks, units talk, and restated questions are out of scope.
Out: 6:11
